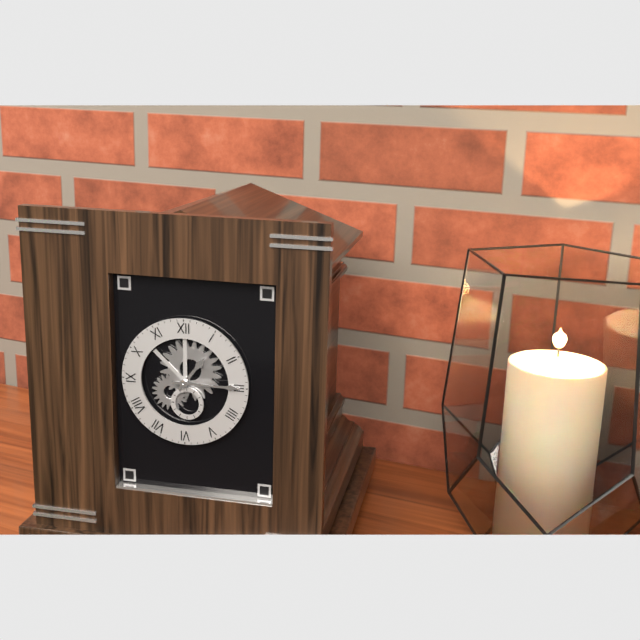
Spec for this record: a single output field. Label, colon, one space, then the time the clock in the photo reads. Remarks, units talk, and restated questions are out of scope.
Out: 1:15
